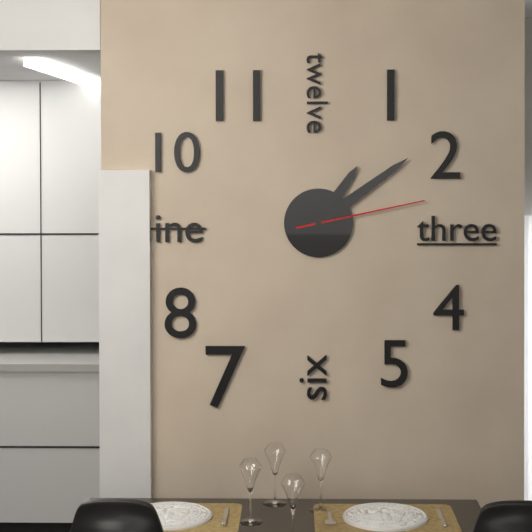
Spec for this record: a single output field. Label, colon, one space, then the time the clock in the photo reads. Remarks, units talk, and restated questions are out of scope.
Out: 1:09:13
